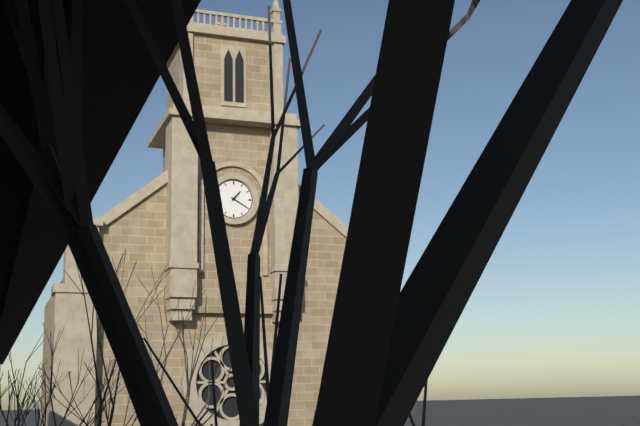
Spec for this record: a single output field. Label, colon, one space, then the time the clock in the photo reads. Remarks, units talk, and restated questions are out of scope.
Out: 1:20
